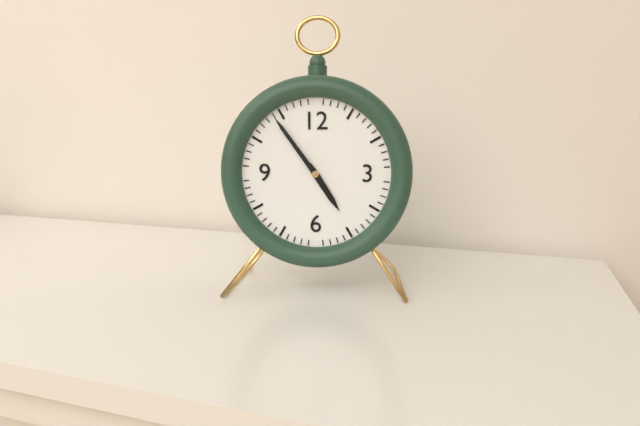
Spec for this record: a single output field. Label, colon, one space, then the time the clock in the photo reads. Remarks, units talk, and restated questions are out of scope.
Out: 4:54
